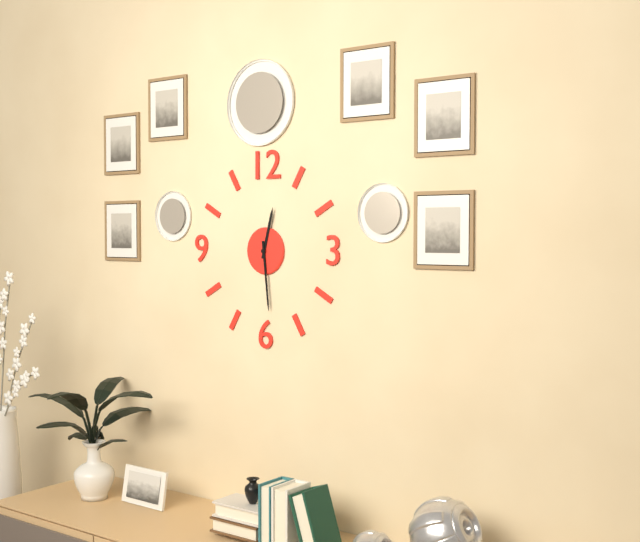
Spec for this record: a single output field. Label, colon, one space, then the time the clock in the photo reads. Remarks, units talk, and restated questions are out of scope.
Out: 12:29
